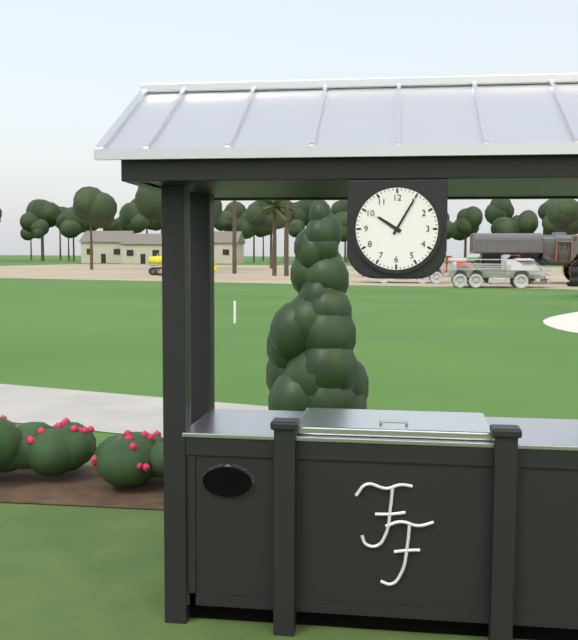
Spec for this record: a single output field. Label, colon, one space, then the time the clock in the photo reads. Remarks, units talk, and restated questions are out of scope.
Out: 10:05
